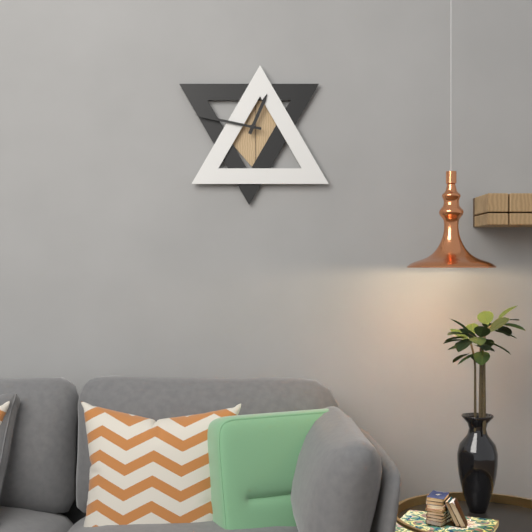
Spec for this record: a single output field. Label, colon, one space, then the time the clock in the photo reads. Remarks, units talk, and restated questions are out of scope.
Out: 12:47
